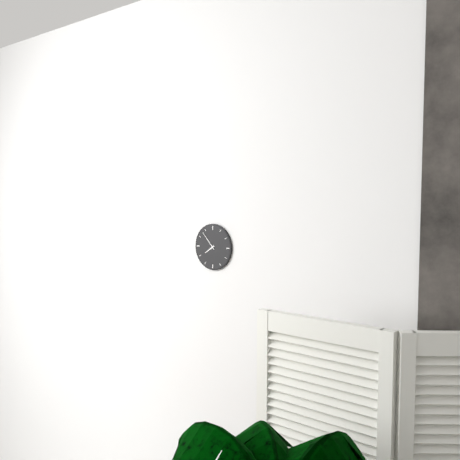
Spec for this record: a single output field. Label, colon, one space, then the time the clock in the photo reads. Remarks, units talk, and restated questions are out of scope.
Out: 7:53
